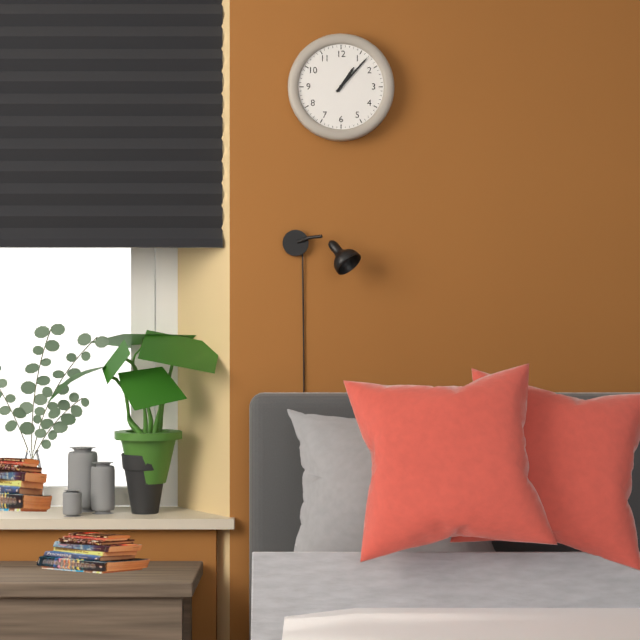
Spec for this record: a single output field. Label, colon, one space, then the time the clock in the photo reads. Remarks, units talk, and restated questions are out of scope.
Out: 1:07
